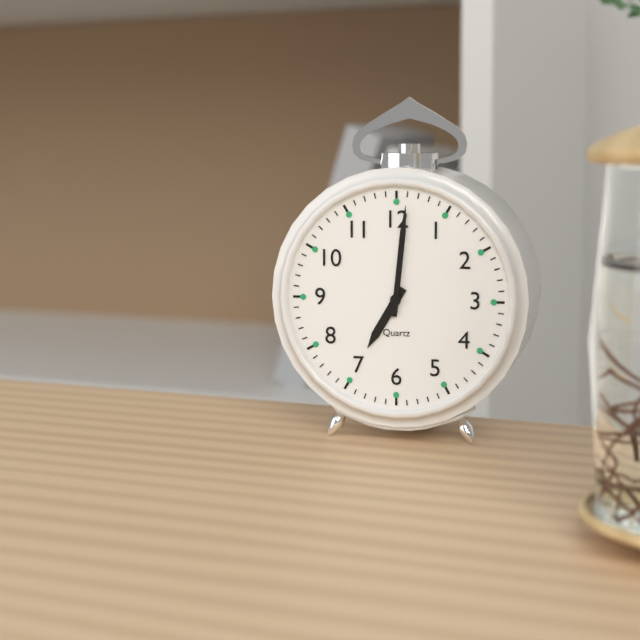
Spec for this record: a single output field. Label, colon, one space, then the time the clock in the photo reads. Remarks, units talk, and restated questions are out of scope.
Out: 7:01
